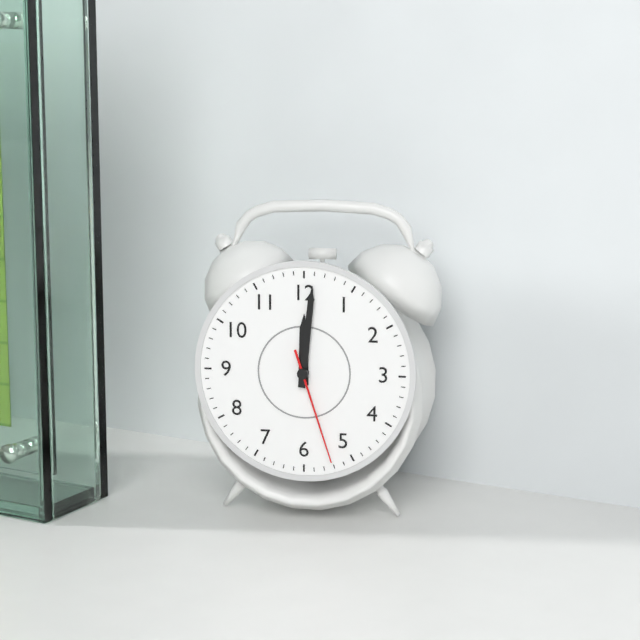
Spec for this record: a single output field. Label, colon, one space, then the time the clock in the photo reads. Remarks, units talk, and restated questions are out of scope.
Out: 12:01:27
